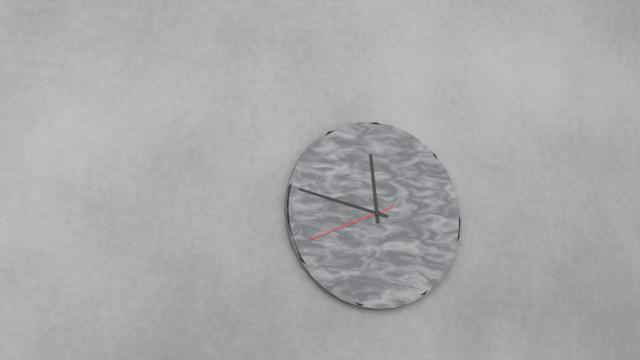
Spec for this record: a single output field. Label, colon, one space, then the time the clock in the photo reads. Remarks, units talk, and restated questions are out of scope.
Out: 11:47:41
